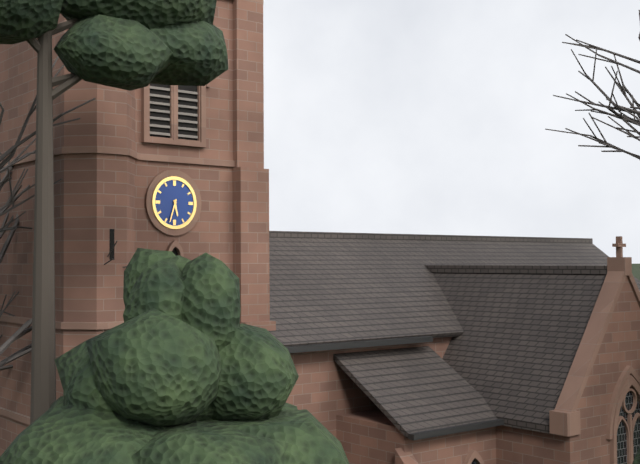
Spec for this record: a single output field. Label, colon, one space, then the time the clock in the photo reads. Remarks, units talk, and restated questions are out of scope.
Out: 5:33
